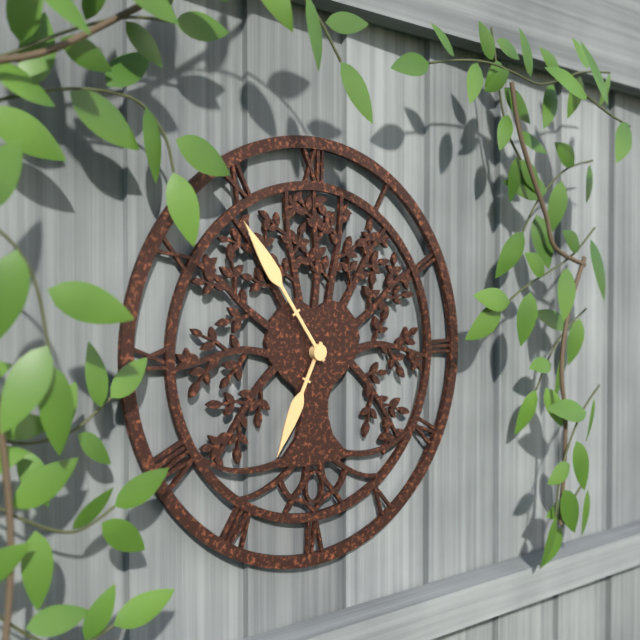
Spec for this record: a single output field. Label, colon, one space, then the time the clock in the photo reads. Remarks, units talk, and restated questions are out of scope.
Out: 6:54
